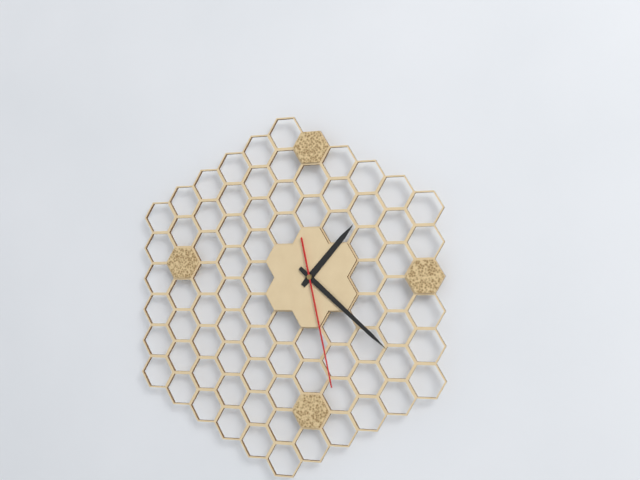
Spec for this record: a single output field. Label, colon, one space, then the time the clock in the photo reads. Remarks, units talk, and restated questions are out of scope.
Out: 1:22:28
